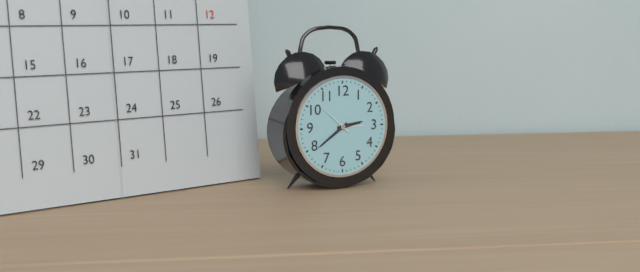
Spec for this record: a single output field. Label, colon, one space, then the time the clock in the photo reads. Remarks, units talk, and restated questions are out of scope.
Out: 2:39
